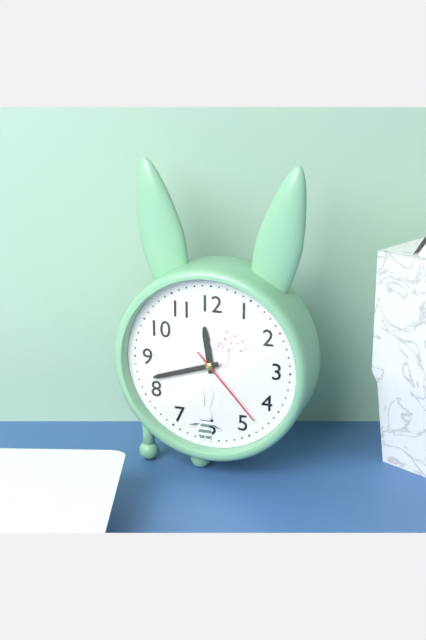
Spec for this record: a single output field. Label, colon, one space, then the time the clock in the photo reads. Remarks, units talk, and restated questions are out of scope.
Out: 11:42:23
